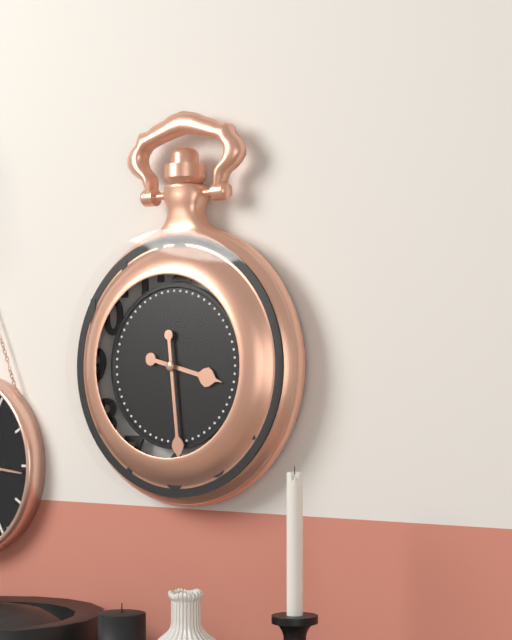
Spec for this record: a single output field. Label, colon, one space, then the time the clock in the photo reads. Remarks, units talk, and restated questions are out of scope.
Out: 3:29
